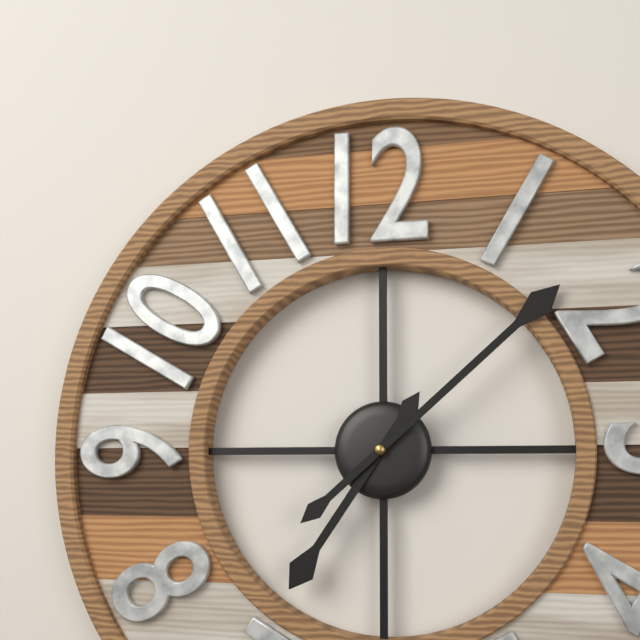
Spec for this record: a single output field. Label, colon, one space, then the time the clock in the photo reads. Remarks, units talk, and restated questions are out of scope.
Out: 7:08
